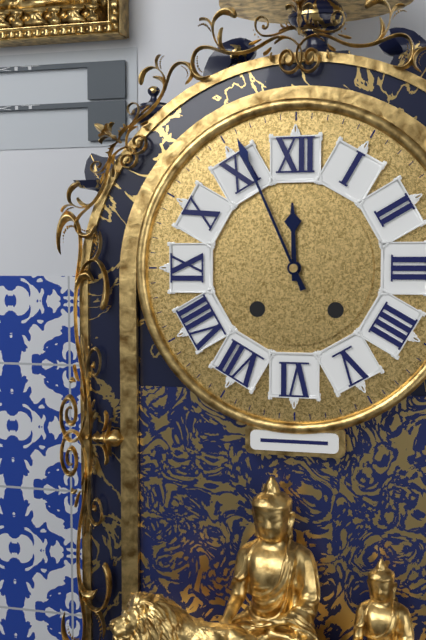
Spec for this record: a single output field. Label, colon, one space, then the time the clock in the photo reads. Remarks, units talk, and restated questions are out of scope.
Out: 11:56
